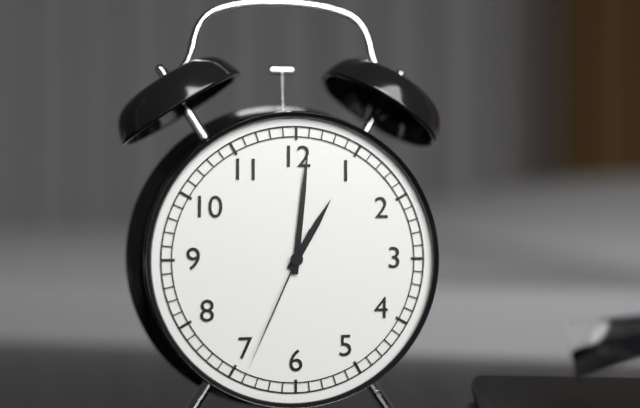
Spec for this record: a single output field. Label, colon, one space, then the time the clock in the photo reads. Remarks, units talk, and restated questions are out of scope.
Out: 1:01:34
